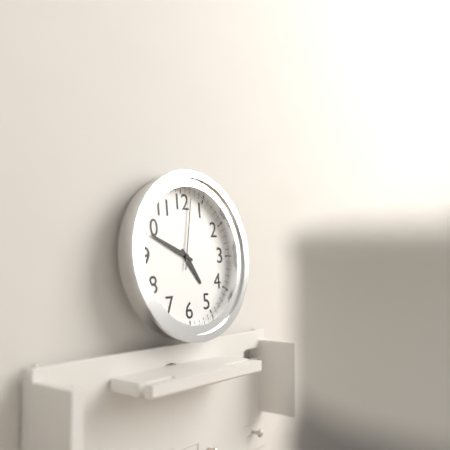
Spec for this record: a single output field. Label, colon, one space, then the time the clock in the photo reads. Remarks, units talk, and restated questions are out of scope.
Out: 4:49:02
